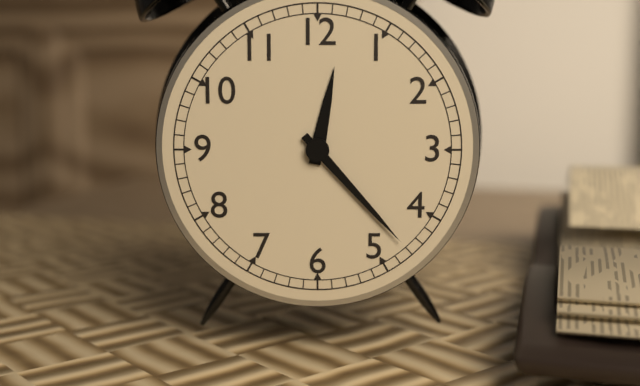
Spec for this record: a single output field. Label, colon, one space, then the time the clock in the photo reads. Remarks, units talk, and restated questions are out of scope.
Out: 12:23
